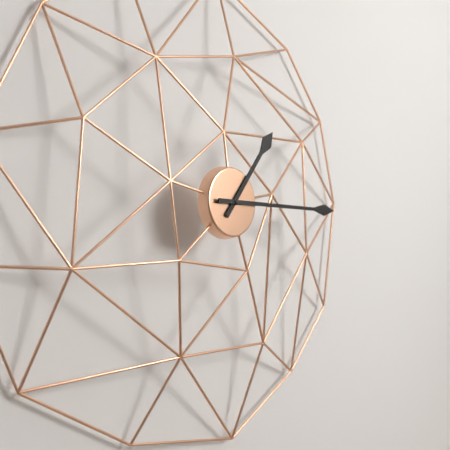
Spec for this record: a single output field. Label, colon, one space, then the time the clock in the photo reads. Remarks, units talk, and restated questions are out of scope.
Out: 1:15
